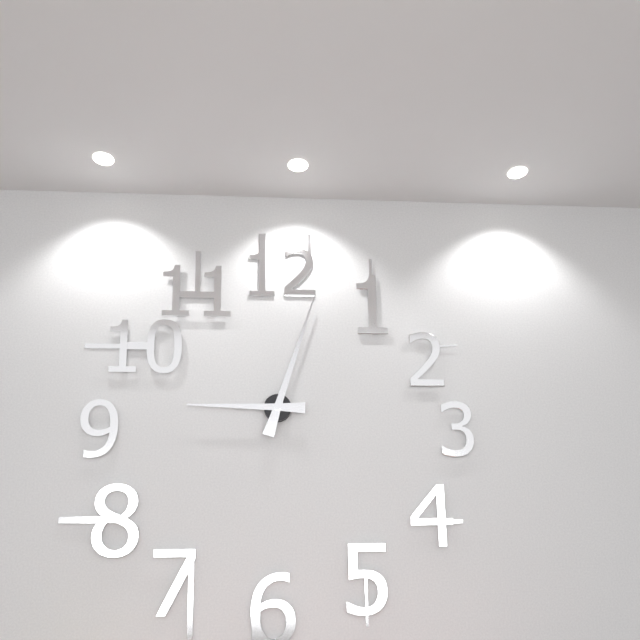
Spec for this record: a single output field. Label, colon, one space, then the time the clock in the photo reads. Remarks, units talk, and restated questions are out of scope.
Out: 9:03
